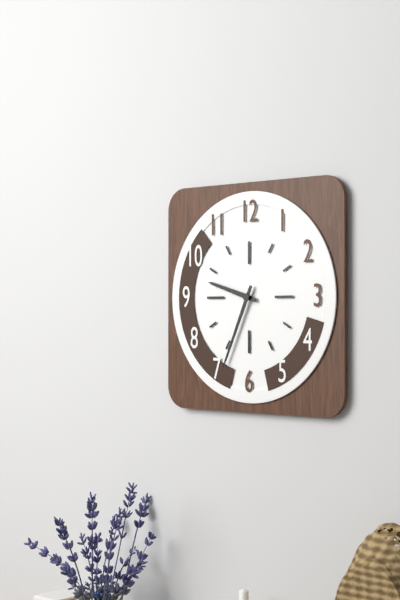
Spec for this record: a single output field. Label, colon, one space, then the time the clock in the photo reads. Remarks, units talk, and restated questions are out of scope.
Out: 9:34
